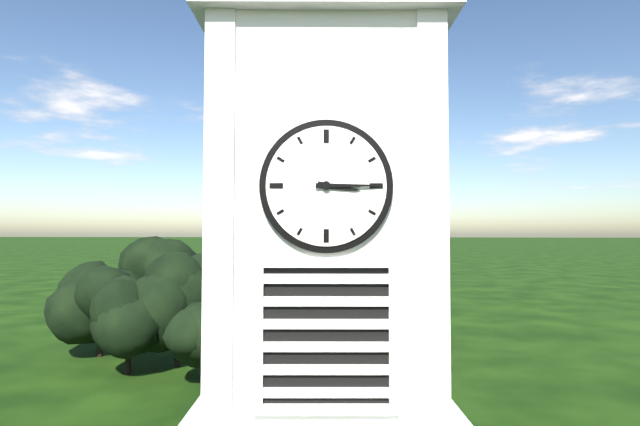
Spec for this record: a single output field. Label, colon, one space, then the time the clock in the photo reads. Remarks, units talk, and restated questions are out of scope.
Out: 3:15
